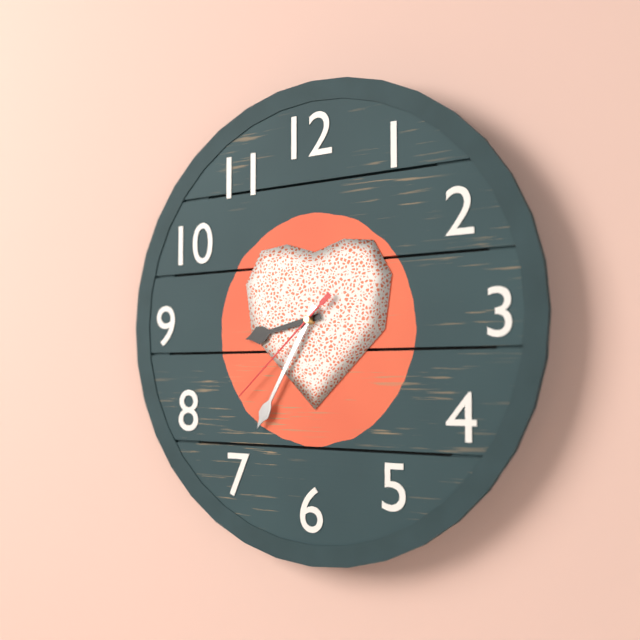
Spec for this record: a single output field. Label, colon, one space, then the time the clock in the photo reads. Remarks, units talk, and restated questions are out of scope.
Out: 8:35:38
